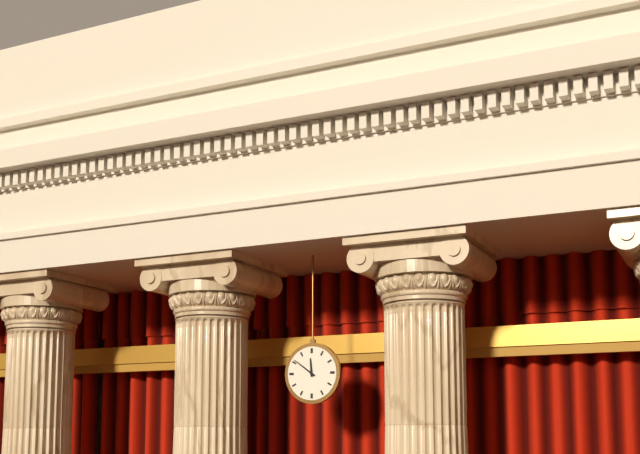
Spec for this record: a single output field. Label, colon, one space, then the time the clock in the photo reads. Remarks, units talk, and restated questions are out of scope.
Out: 11:51
